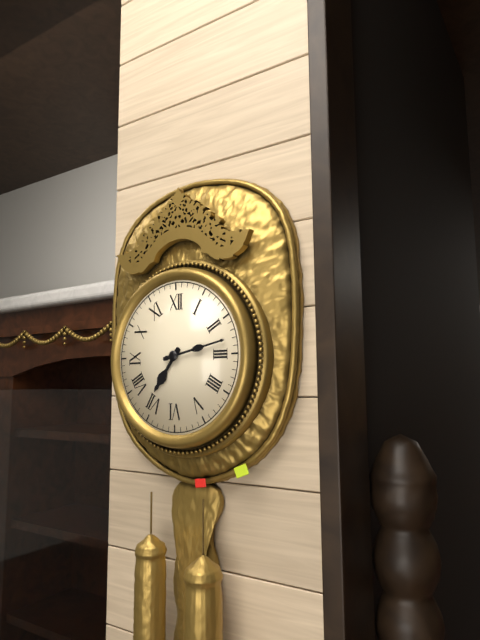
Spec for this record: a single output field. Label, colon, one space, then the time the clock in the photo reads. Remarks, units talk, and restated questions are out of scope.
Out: 7:13
